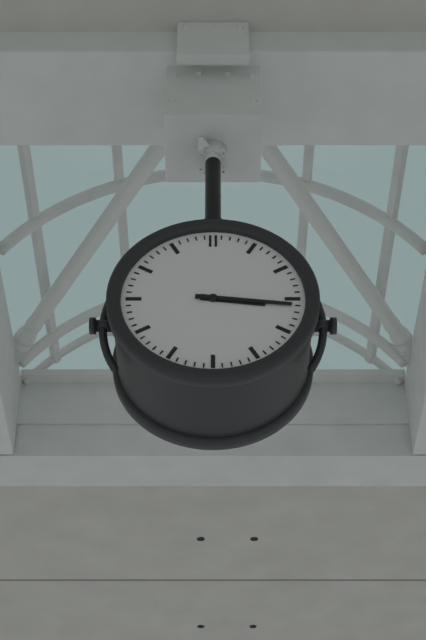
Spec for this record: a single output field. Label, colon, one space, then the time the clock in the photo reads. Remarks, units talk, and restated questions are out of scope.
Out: 3:16
